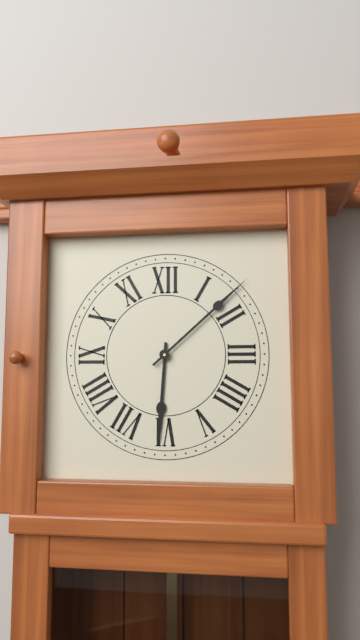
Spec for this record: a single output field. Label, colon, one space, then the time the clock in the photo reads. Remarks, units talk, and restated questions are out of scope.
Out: 6:08
